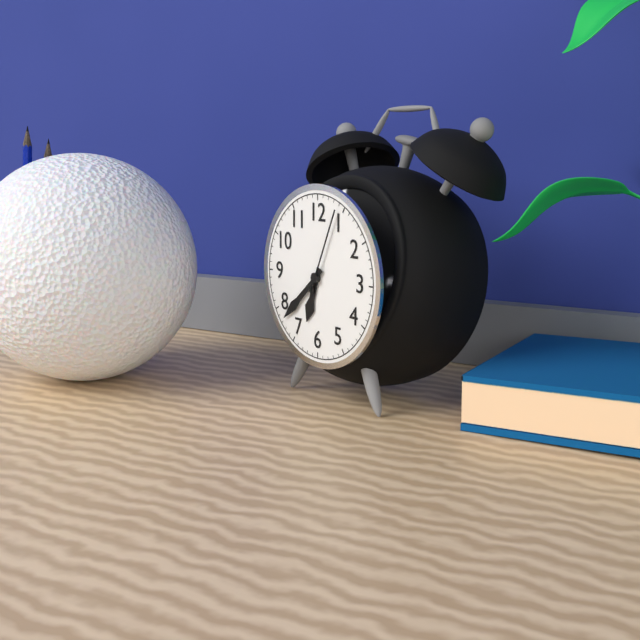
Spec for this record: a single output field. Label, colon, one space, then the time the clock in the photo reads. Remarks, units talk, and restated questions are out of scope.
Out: 6:38:04
